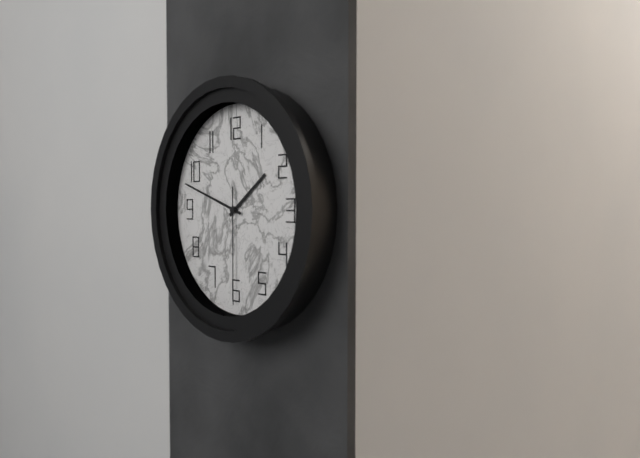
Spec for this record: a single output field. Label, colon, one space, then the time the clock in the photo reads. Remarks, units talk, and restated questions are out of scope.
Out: 1:48:30
